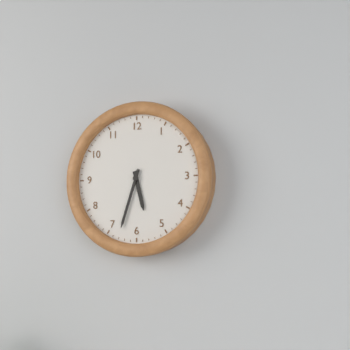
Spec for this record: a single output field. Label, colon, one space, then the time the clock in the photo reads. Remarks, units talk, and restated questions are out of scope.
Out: 5:33
